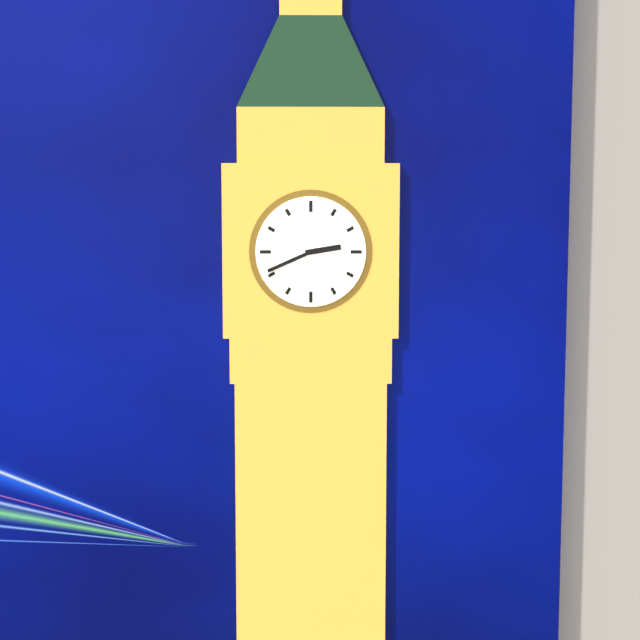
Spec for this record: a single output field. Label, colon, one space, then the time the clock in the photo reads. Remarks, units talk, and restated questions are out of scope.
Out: 2:41
